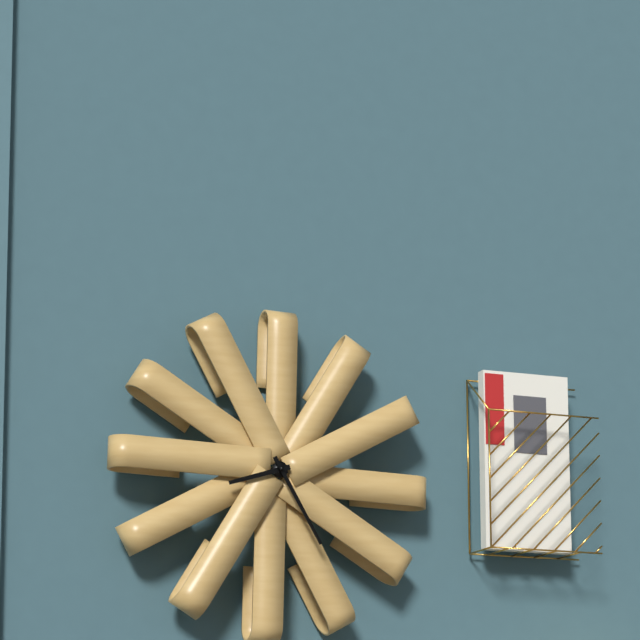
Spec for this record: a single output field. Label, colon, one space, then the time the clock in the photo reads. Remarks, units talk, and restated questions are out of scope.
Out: 8:25
